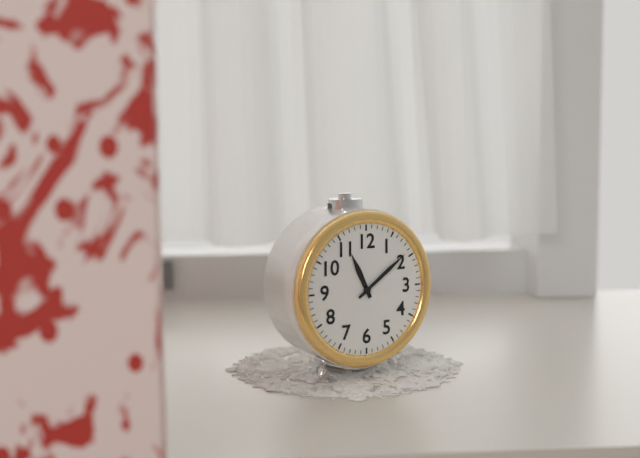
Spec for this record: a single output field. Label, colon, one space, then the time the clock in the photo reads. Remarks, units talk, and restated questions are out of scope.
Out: 11:09
